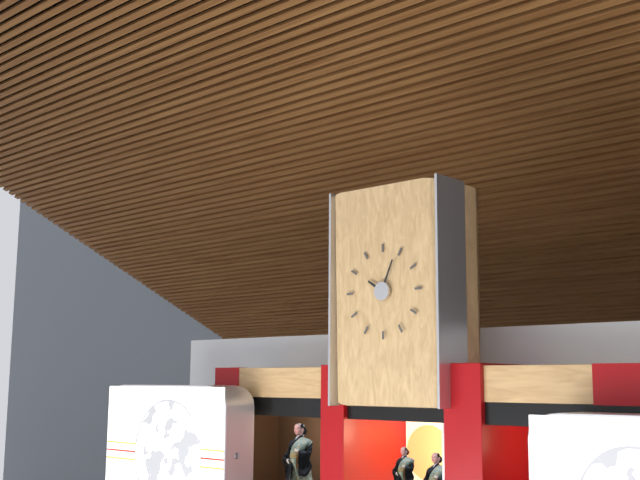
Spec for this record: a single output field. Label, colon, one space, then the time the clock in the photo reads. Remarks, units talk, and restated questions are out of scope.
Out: 10:04
